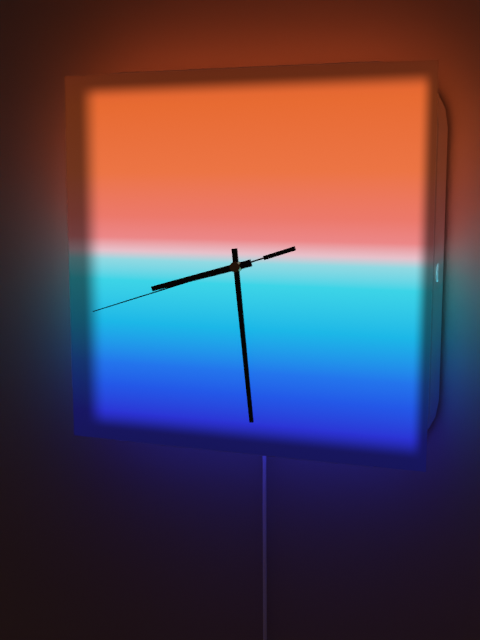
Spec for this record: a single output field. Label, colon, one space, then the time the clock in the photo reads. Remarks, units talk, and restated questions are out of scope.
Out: 8:29:42
